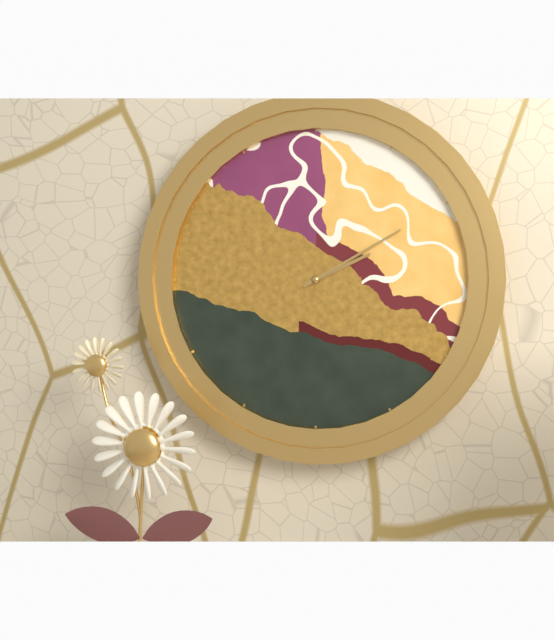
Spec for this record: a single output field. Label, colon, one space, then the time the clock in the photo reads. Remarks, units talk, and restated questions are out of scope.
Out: 2:10
